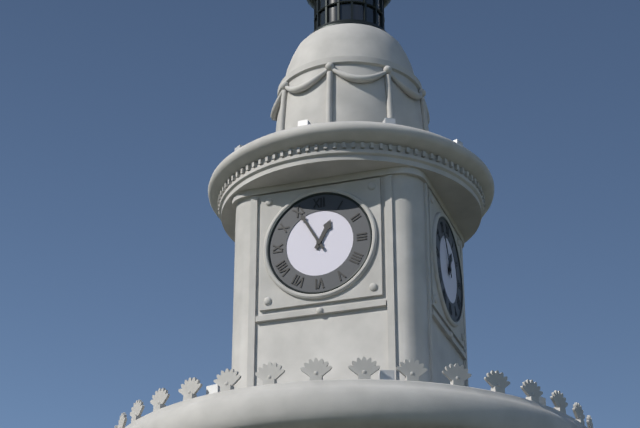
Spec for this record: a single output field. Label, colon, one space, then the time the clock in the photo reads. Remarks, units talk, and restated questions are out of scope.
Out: 12:55
